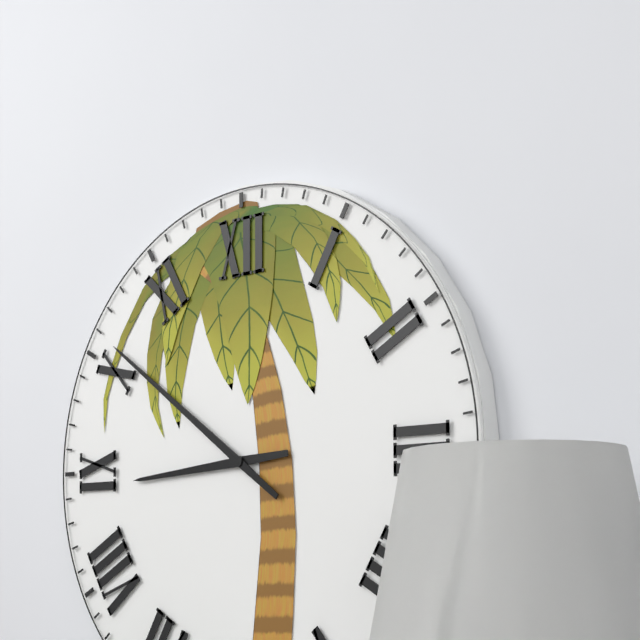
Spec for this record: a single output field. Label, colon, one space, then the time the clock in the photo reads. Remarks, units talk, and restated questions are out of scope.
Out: 8:51
